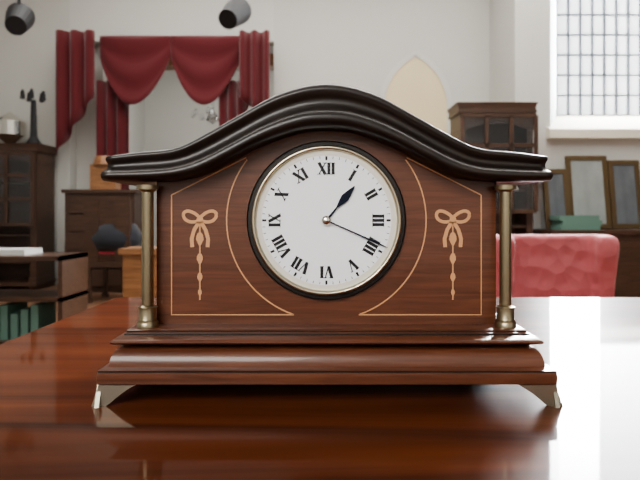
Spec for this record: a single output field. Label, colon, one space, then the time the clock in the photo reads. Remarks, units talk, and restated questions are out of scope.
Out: 1:19
